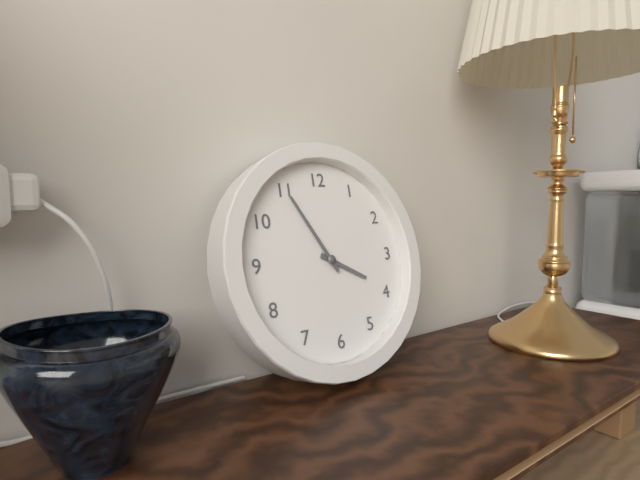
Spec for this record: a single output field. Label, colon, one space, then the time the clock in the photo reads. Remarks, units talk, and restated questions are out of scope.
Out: 3:55
